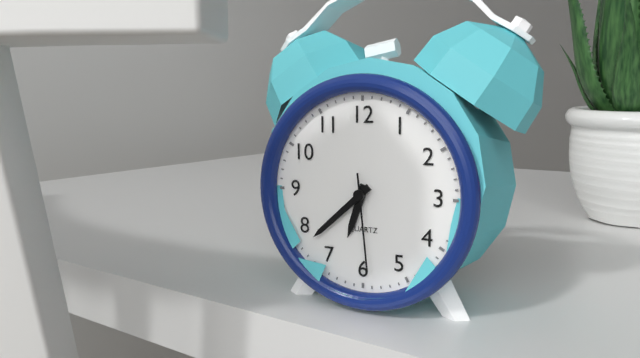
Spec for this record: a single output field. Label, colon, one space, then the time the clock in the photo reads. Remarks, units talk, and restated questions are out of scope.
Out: 6:38:29
